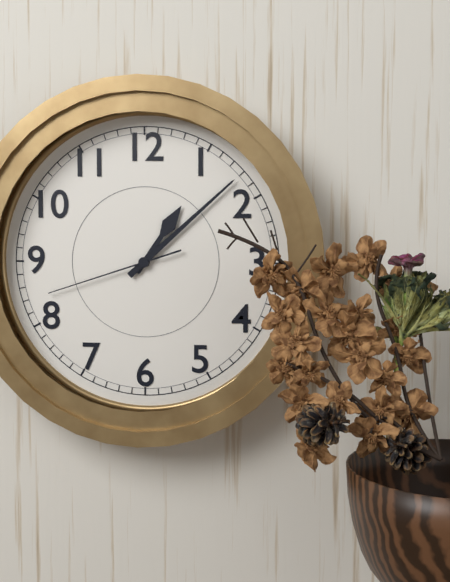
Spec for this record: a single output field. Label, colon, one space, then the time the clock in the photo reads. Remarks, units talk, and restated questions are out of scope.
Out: 1:08:42
